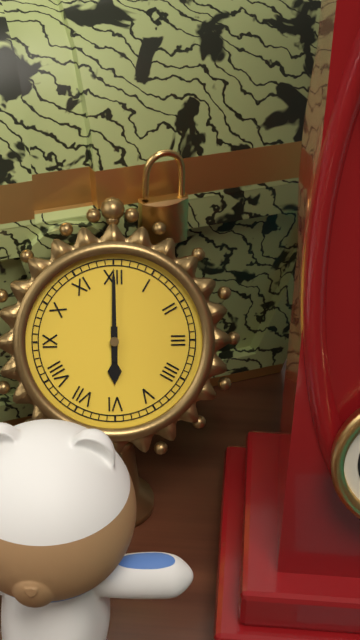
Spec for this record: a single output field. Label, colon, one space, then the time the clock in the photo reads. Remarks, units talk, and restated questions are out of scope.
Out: 6:00
